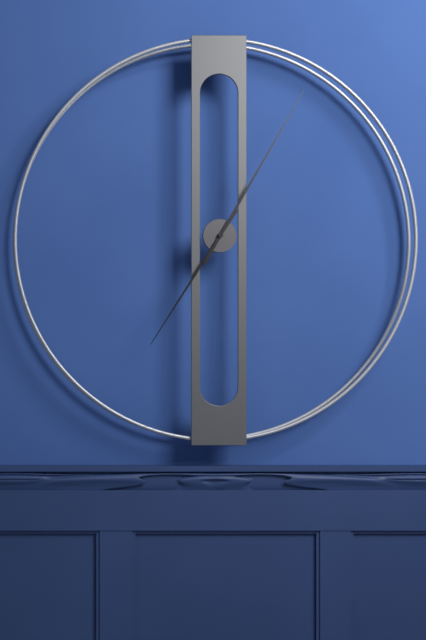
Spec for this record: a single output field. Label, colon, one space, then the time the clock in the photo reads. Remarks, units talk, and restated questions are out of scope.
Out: 7:05
